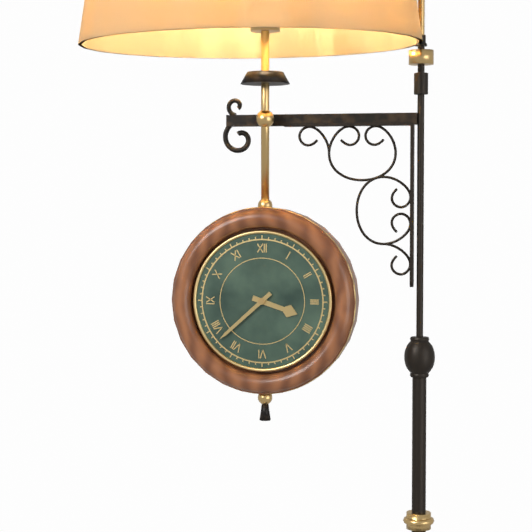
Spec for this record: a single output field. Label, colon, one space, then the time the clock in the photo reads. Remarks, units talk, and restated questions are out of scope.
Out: 3:38
